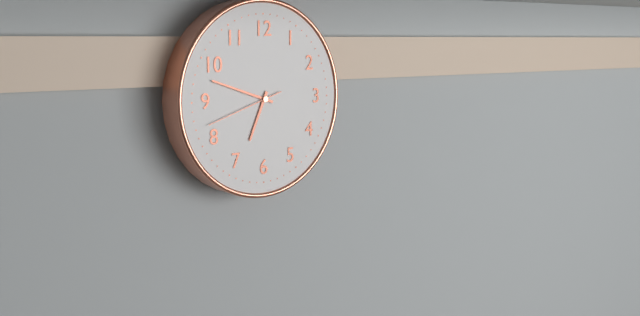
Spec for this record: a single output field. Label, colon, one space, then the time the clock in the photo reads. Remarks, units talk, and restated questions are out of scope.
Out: 6:48:42
